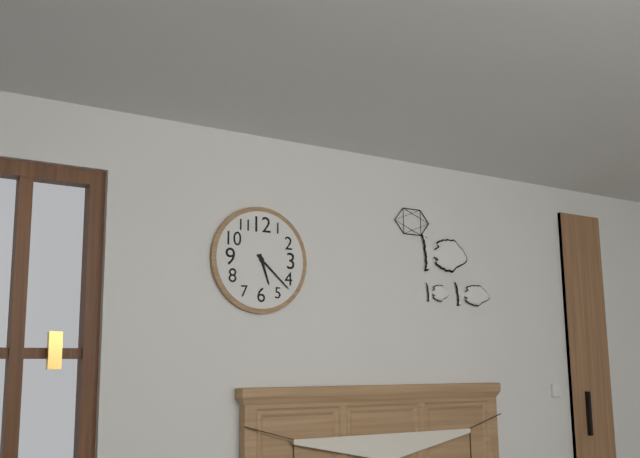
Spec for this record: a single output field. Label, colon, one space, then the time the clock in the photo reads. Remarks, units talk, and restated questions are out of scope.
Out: 5:22
